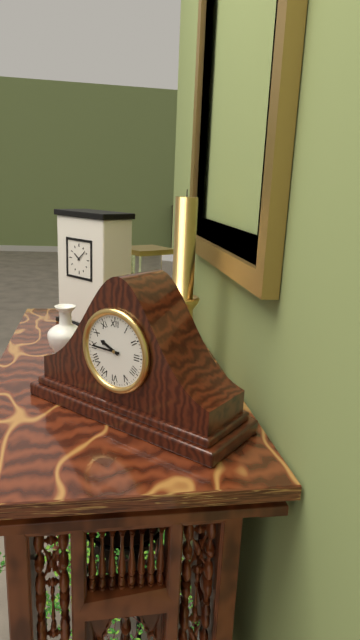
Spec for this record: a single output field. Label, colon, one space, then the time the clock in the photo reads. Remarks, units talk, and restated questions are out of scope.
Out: 9:45
